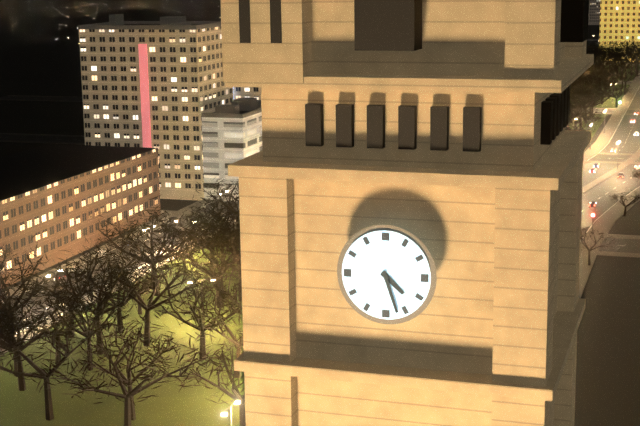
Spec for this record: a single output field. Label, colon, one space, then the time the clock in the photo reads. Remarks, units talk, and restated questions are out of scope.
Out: 4:27
